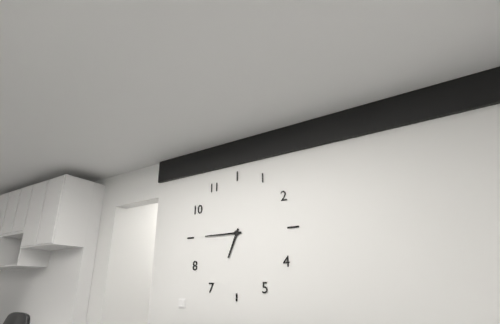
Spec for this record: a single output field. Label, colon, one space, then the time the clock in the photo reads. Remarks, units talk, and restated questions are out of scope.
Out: 6:45
